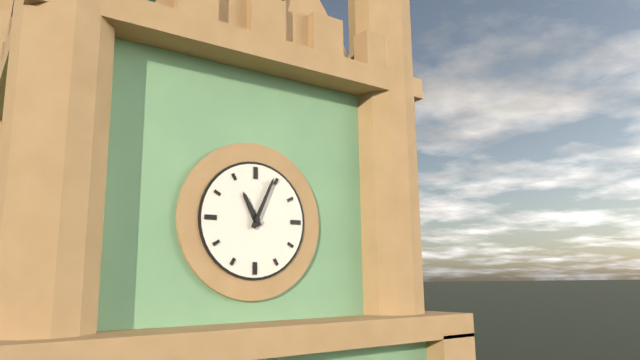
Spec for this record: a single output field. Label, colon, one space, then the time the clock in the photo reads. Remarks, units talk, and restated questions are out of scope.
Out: 11:04
